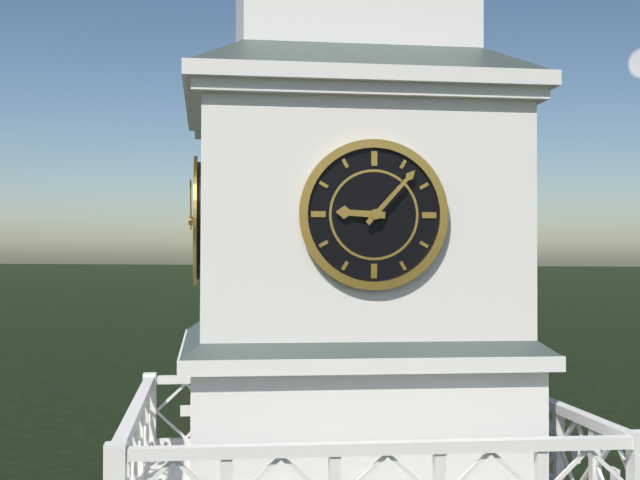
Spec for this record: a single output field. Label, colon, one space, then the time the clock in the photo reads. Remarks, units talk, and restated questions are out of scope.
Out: 9:07
